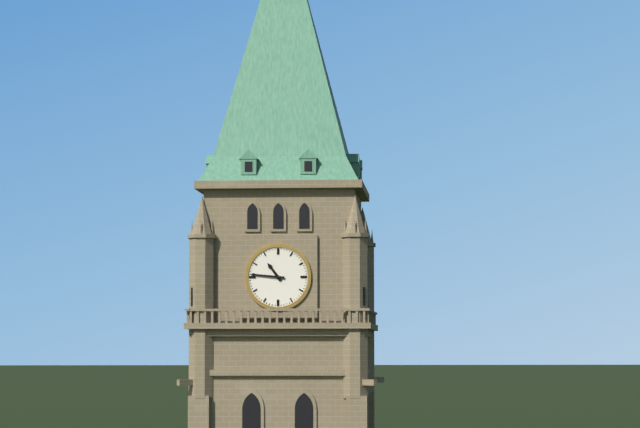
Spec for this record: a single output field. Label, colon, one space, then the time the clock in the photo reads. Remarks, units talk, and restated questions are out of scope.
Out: 10:46
